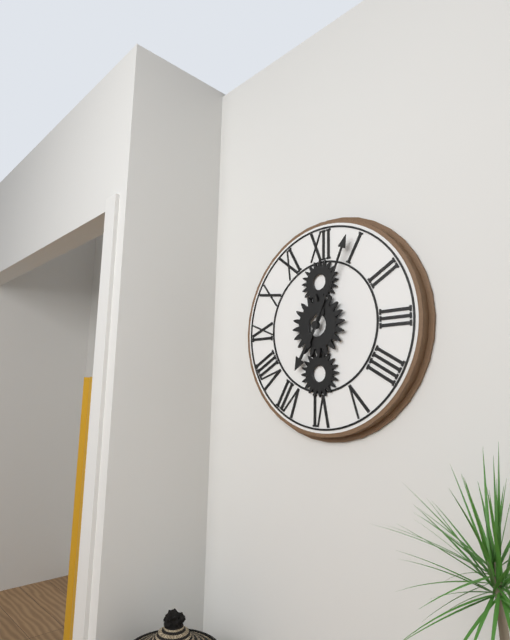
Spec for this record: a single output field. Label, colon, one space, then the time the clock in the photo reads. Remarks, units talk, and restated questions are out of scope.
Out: 7:04
